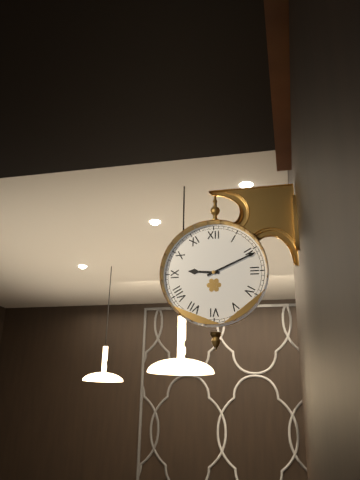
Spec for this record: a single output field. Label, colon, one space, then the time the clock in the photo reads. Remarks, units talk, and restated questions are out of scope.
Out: 9:11
